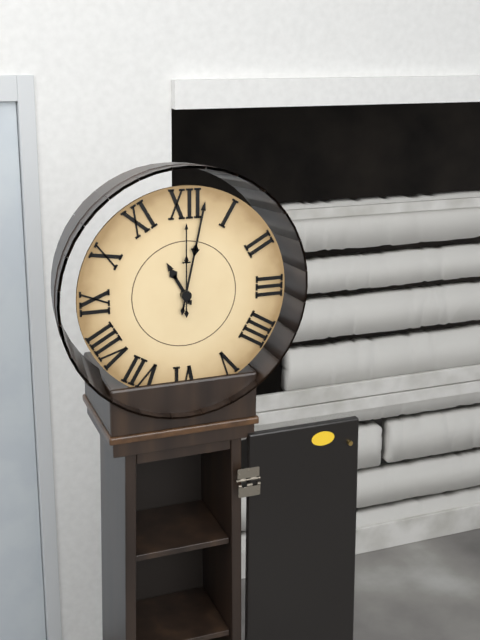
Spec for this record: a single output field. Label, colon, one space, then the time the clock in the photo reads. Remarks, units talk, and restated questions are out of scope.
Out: 11:02:00
